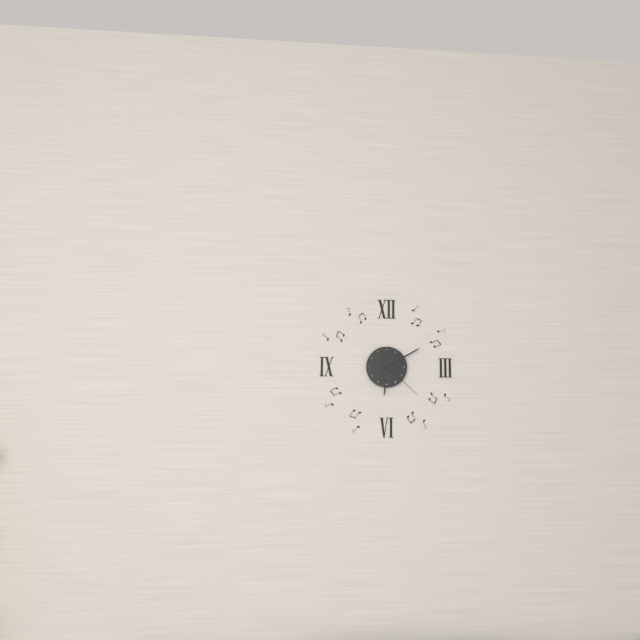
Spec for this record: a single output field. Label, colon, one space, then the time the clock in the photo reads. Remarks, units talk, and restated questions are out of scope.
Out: 6:10:22
